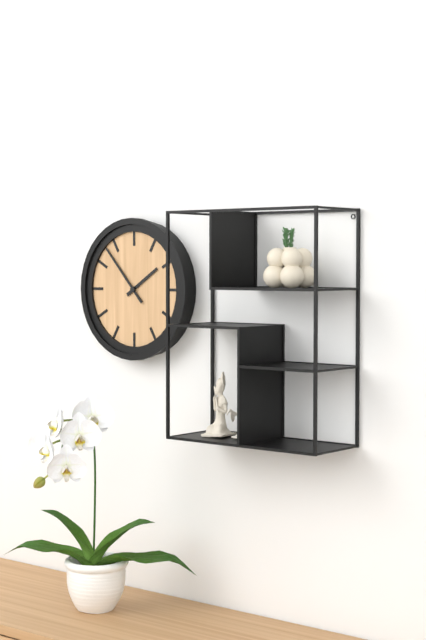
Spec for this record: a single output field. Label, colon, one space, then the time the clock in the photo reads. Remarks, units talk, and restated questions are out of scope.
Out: 1:53
